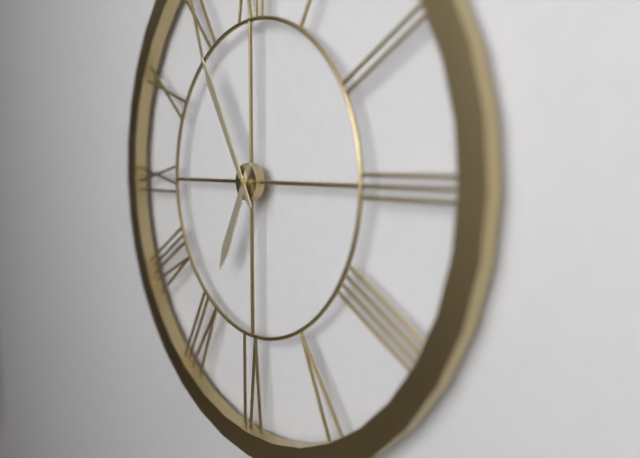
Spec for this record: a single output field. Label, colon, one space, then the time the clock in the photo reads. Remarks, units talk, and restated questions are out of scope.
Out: 6:55
